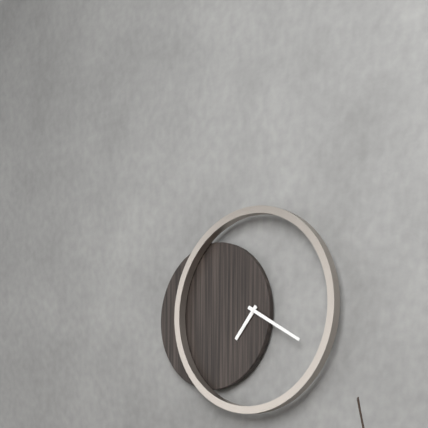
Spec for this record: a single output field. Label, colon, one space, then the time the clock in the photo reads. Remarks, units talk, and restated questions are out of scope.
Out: 7:20
